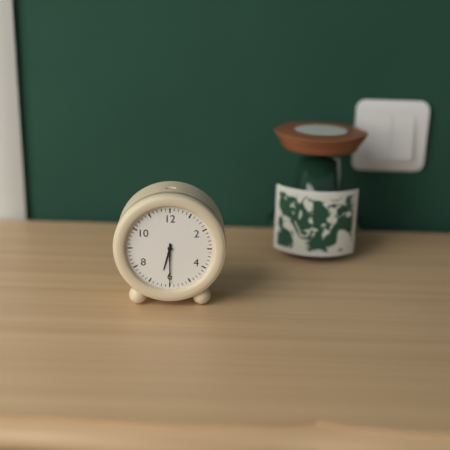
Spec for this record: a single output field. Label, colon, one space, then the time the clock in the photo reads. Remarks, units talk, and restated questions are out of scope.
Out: 6:30
